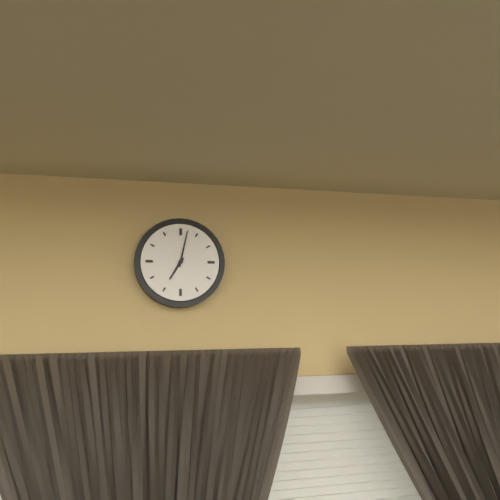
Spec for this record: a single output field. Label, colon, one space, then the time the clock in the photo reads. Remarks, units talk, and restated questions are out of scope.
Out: 7:02
